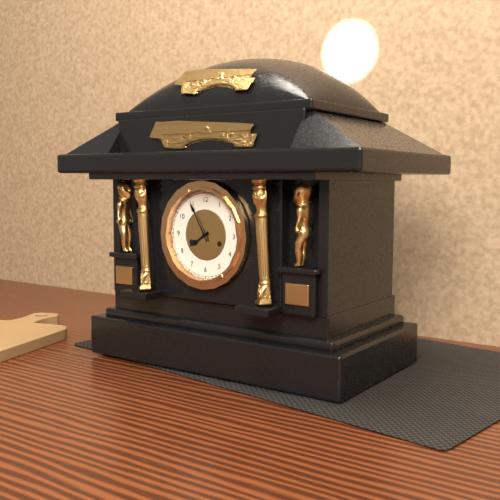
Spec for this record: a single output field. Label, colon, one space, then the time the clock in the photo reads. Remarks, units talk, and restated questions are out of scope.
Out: 7:55
